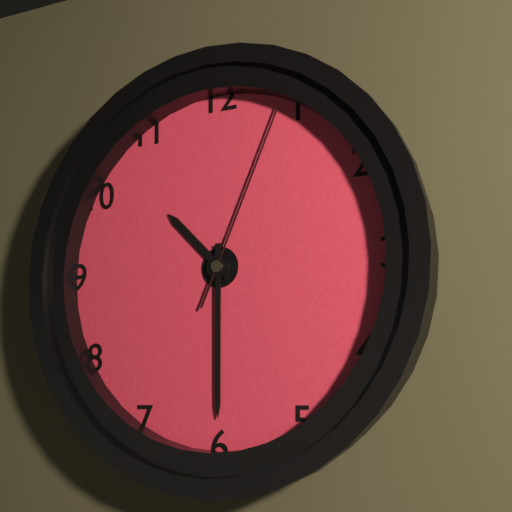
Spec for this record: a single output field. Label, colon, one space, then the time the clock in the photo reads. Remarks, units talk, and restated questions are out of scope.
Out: 10:30:04
